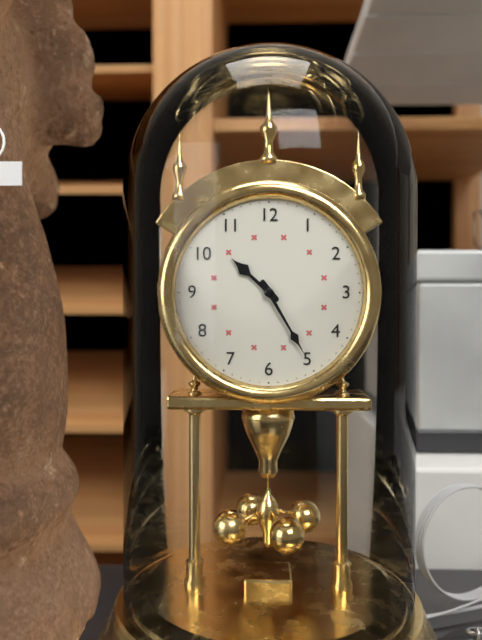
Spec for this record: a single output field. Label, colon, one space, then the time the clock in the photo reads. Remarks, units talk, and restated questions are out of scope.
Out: 10:25
